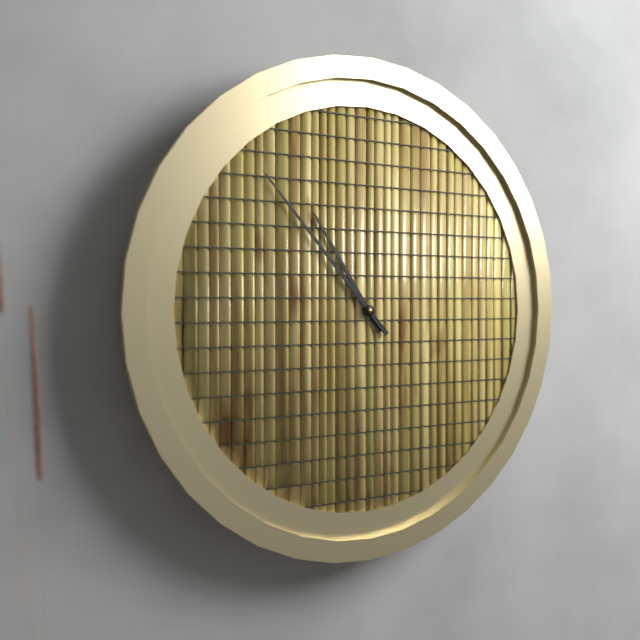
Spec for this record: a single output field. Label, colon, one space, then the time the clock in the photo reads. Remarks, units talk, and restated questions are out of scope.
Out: 10:53
